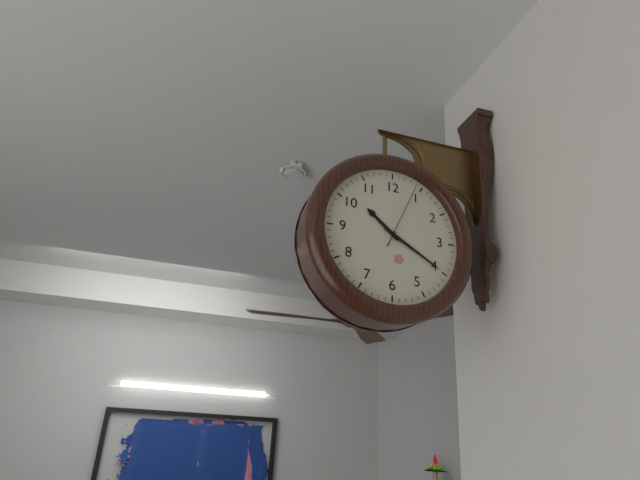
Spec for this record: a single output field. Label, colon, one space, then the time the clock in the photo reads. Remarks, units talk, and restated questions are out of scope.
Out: 10:20:04
